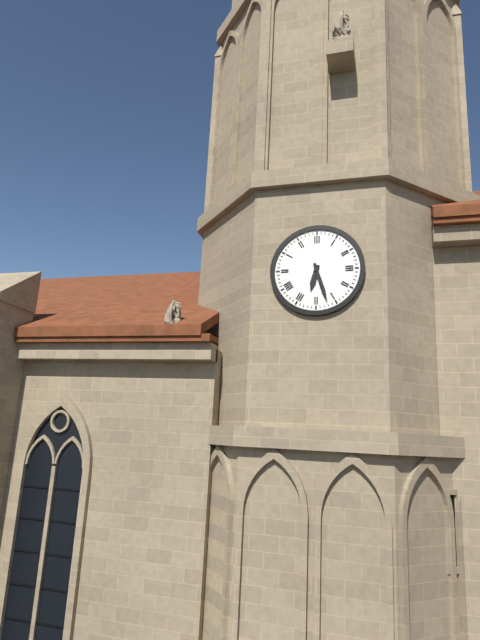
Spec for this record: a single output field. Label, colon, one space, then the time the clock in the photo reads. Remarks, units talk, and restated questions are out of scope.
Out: 6:27
